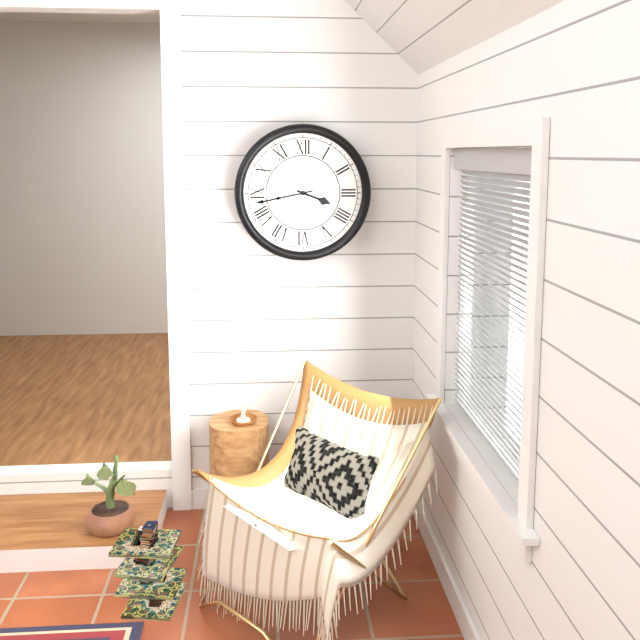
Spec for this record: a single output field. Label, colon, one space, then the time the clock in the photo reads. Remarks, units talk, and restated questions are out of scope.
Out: 3:43
